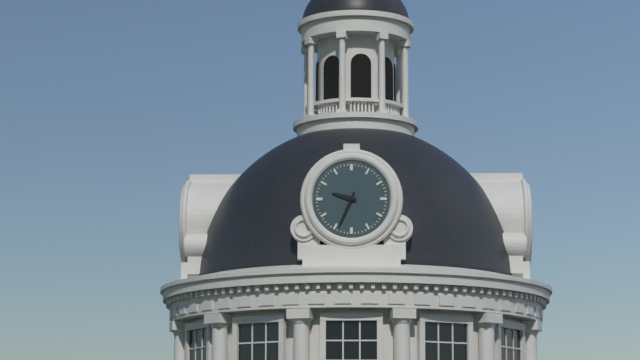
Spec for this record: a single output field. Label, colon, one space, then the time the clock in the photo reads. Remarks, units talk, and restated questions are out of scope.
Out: 9:34
